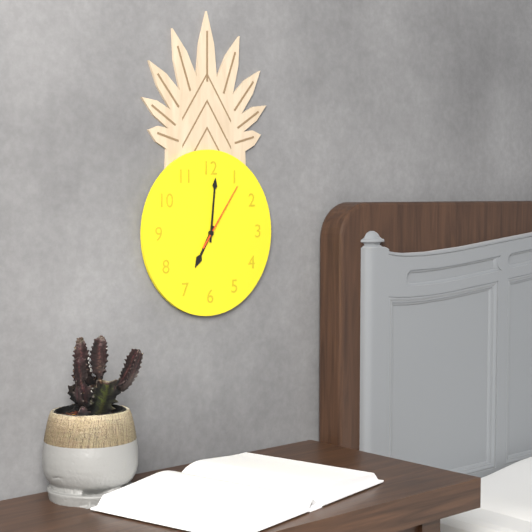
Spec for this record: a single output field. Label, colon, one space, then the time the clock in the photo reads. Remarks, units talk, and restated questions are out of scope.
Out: 7:01:06
